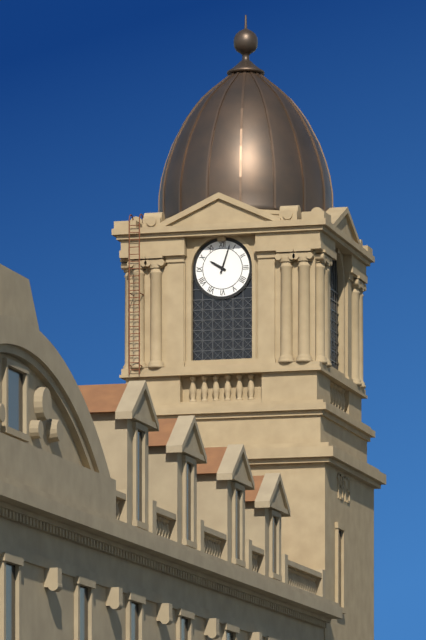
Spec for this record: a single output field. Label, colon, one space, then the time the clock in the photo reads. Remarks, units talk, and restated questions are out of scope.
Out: 10:03
